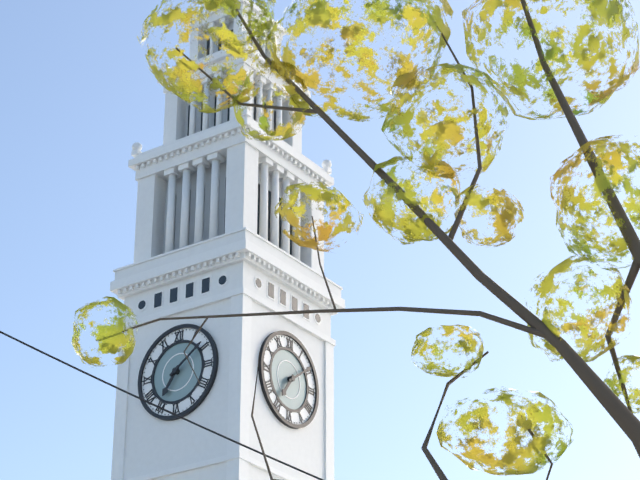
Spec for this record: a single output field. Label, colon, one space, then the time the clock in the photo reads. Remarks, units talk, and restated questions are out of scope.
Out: 7:09
